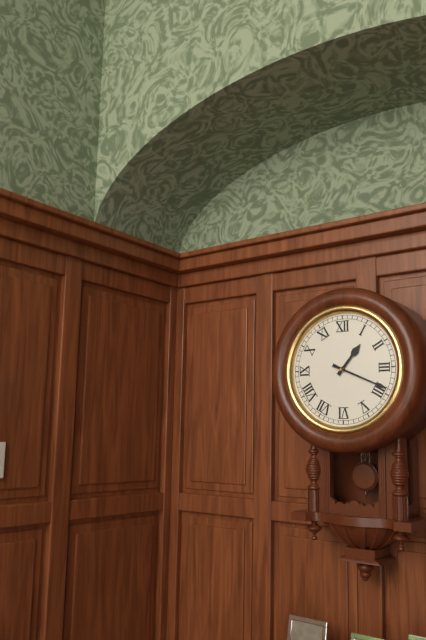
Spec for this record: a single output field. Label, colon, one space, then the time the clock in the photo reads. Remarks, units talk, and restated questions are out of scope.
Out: 1:19
